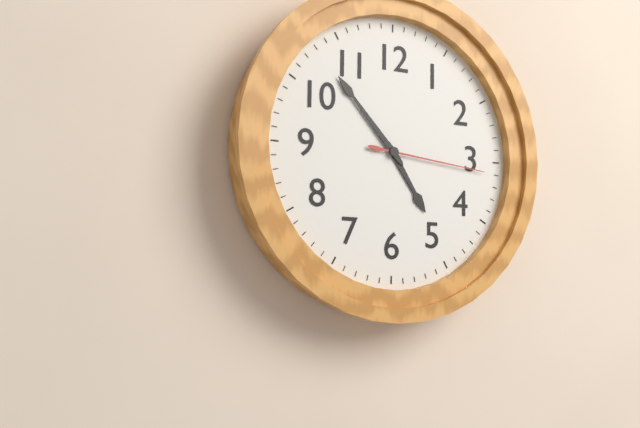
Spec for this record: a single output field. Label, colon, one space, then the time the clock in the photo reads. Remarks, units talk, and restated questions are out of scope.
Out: 4:53:16
